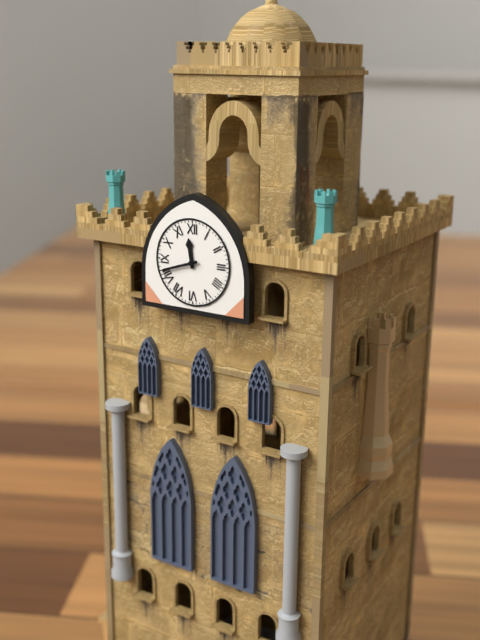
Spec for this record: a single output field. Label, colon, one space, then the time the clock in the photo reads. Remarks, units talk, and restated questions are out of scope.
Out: 11:42
